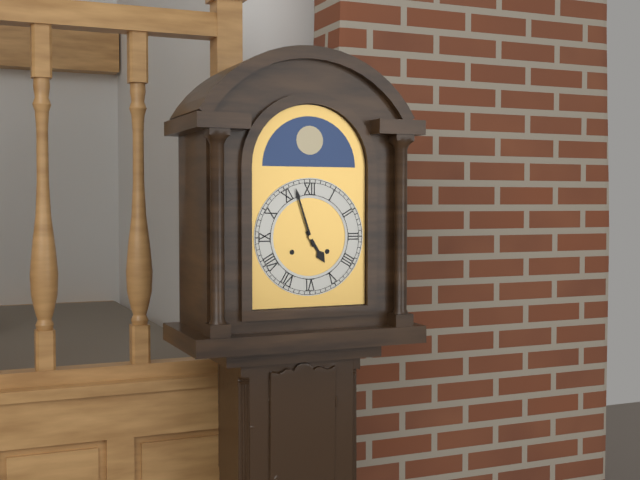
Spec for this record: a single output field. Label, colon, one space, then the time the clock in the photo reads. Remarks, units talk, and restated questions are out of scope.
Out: 4:57
